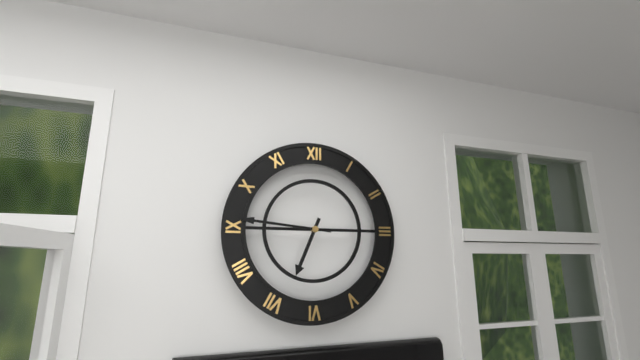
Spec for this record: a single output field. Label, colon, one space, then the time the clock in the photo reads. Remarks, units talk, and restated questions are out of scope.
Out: 6:46
